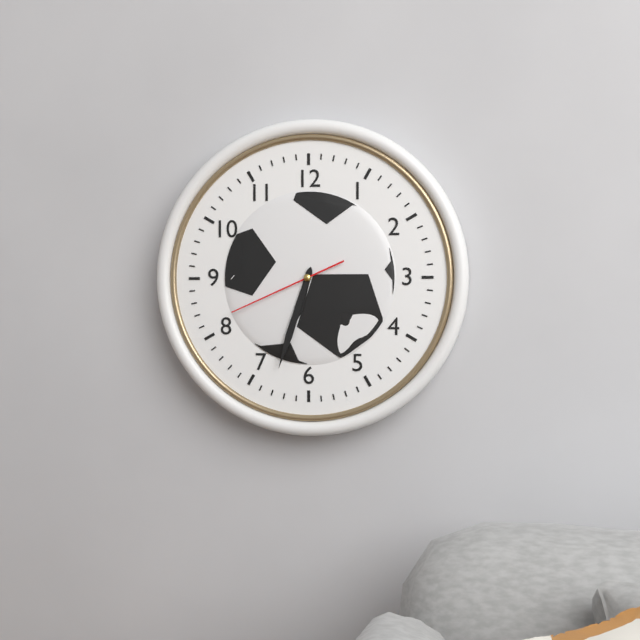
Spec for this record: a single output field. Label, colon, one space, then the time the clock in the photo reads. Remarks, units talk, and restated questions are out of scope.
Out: 6:33:41
